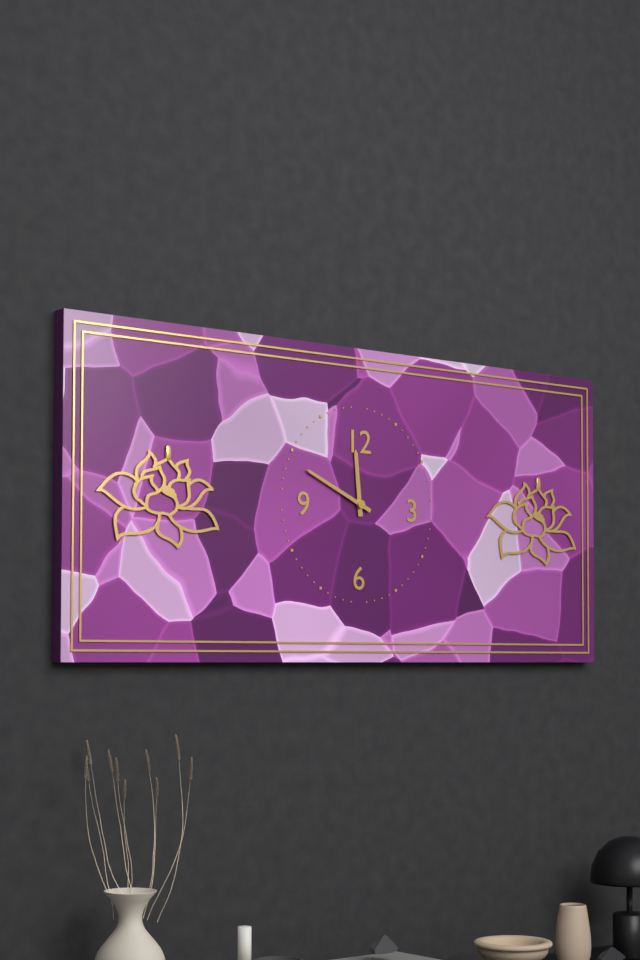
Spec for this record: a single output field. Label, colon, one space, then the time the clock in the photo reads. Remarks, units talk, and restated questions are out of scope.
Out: 11:49
